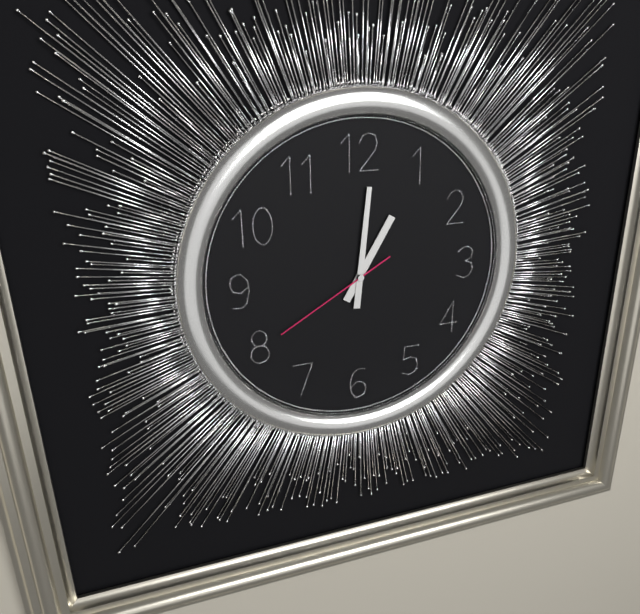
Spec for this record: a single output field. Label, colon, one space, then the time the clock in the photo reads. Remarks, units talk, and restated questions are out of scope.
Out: 1:01:40
